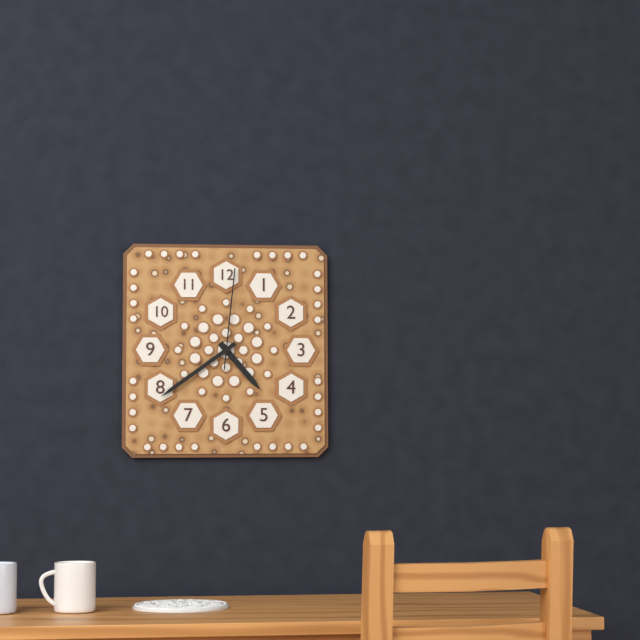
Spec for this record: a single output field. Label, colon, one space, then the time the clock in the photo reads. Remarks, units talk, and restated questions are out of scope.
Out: 4:39:01
